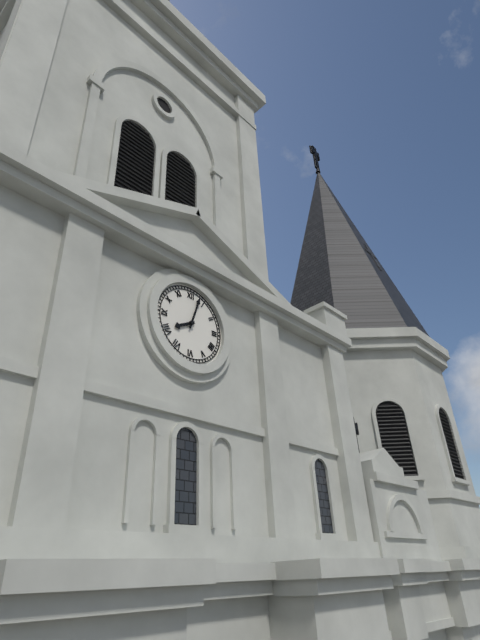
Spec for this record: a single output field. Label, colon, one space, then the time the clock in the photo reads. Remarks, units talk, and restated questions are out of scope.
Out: 8:03
